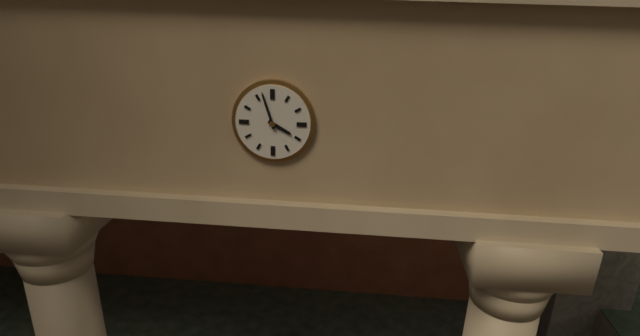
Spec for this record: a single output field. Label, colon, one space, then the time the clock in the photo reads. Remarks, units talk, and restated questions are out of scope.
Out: 3:57
